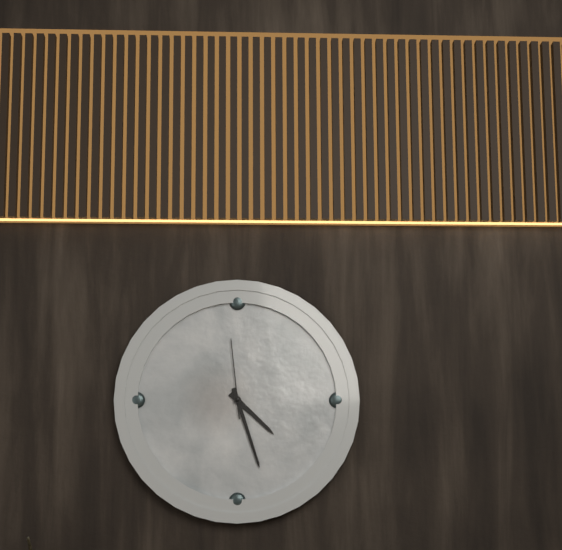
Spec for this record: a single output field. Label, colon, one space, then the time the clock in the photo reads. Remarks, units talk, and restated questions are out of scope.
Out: 4:27:59
